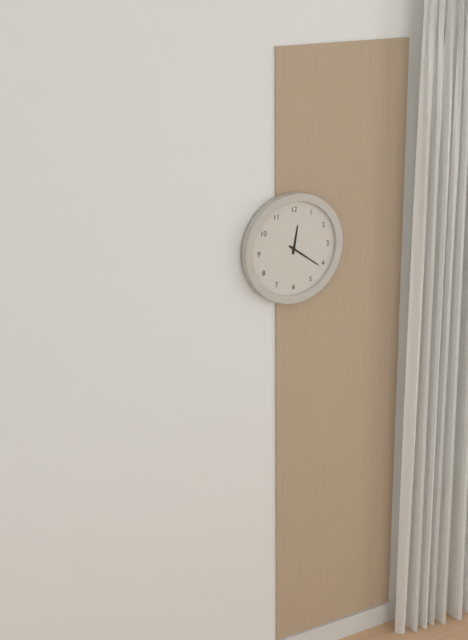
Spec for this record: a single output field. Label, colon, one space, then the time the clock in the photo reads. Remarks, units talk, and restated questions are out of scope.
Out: 12:21
